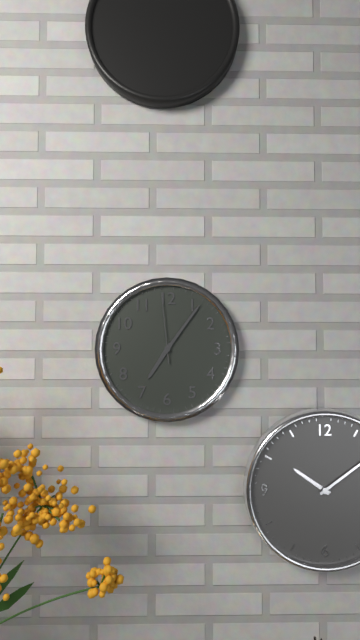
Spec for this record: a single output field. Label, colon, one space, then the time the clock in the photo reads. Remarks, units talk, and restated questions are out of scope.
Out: 7:06:59
